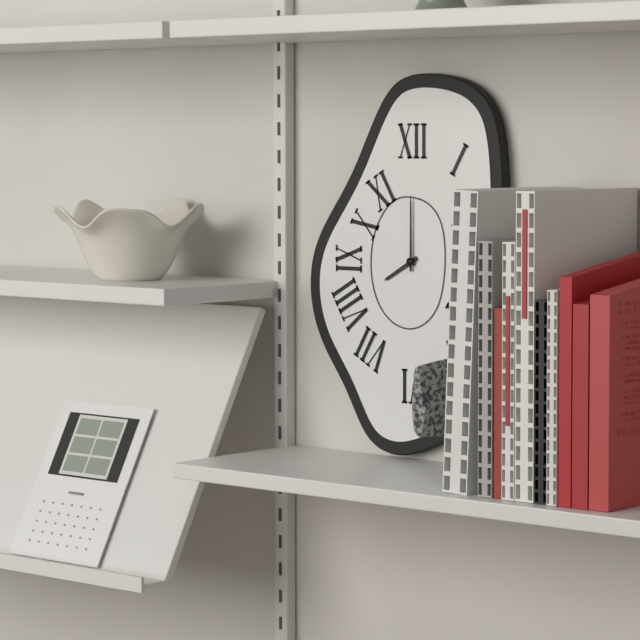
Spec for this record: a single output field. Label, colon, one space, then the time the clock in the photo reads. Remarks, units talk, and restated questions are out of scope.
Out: 8:00
